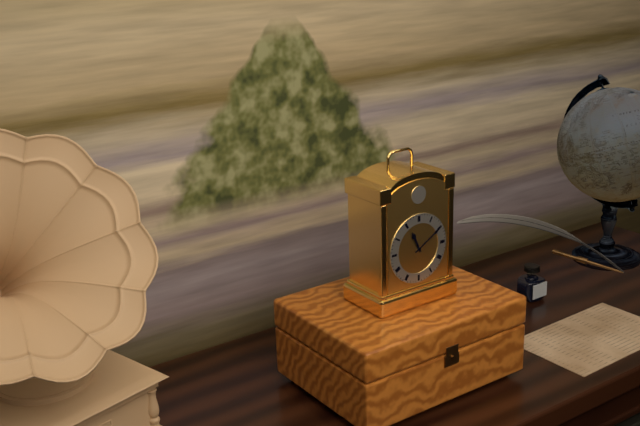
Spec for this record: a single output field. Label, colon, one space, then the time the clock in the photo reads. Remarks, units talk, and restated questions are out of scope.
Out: 11:10
